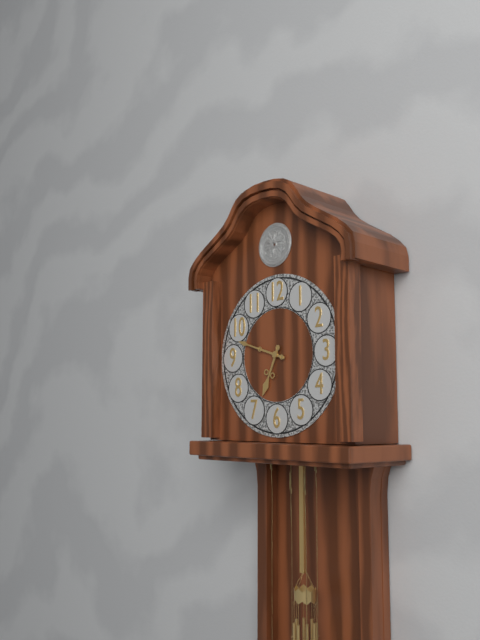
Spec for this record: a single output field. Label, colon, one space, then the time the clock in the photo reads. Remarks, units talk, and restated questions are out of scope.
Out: 6:48
